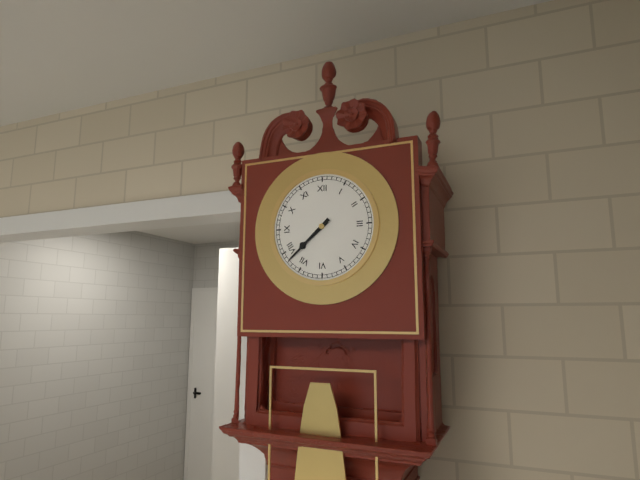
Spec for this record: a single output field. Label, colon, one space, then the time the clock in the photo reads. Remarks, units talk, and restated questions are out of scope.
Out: 7:38
